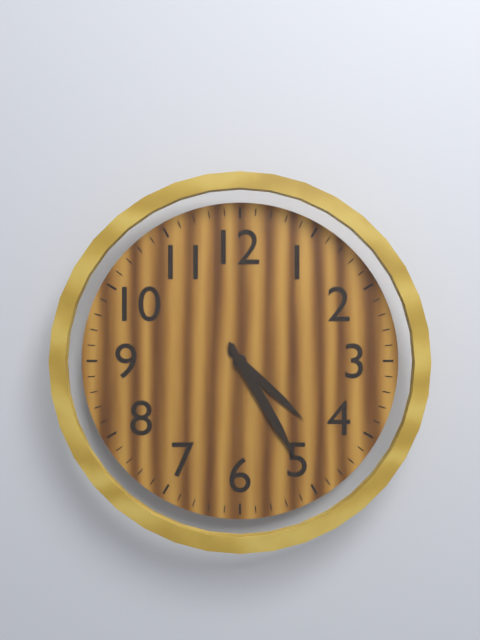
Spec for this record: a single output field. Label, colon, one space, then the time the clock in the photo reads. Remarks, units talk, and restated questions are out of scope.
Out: 4:25
